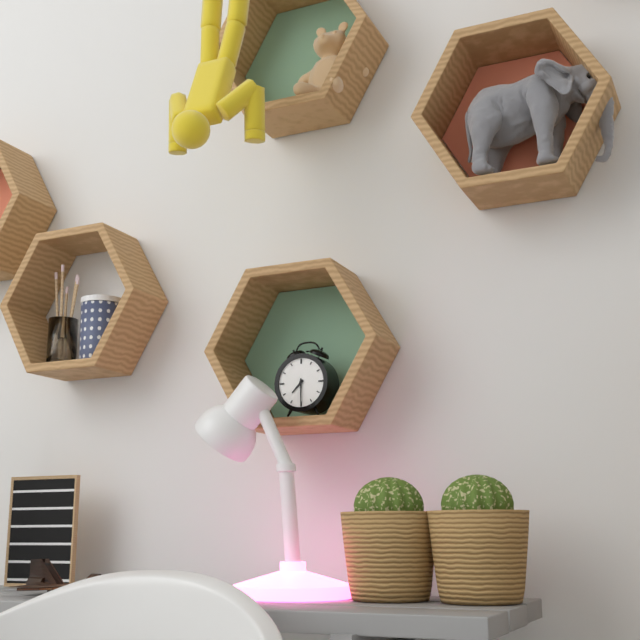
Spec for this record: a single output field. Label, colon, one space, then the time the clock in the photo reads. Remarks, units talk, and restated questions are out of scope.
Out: 7:30
